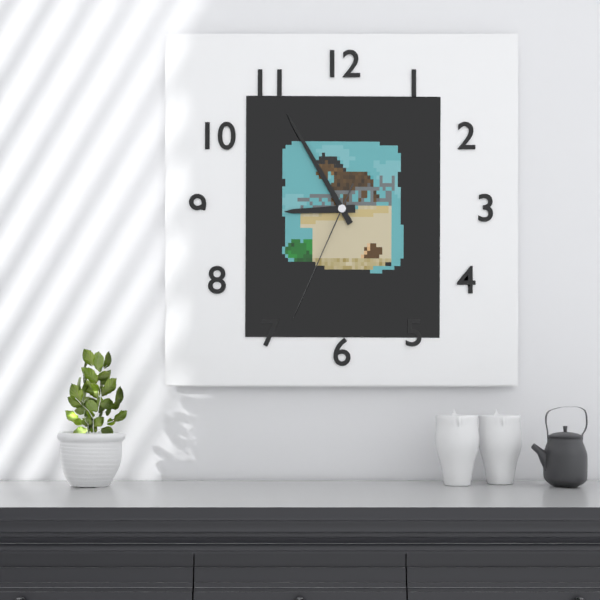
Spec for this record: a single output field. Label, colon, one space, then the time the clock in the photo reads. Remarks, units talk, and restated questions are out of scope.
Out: 8:55:34
